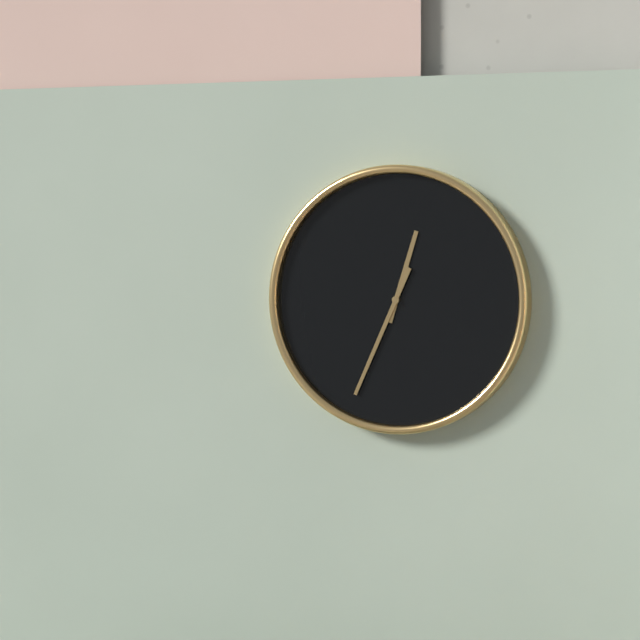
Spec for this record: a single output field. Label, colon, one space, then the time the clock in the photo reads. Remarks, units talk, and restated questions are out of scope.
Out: 12:34
